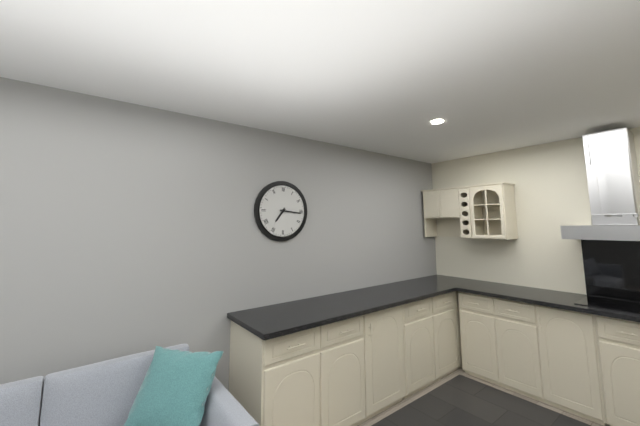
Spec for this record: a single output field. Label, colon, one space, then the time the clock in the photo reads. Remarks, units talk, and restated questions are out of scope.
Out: 7:16
